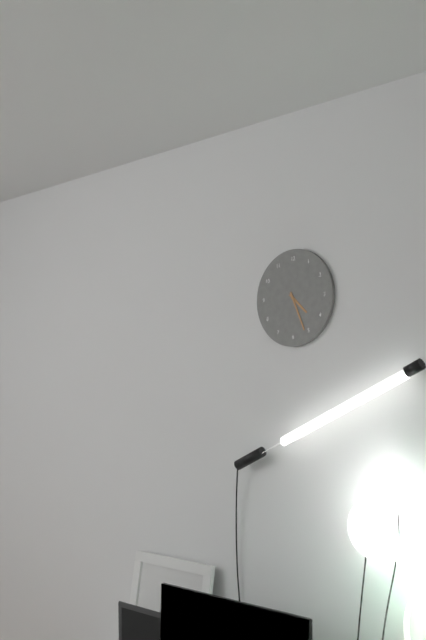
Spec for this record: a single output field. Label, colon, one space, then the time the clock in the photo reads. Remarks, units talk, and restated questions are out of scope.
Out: 4:26
